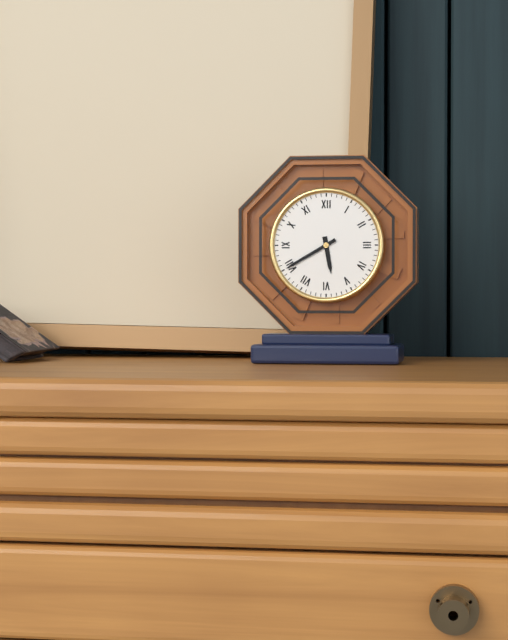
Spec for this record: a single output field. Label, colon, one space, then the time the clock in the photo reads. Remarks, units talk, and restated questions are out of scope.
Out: 5:40
